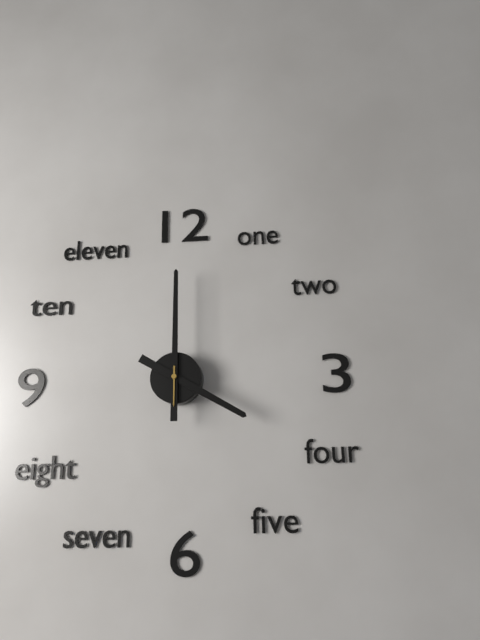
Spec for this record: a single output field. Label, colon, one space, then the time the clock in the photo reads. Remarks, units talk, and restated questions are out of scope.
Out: 4:00
